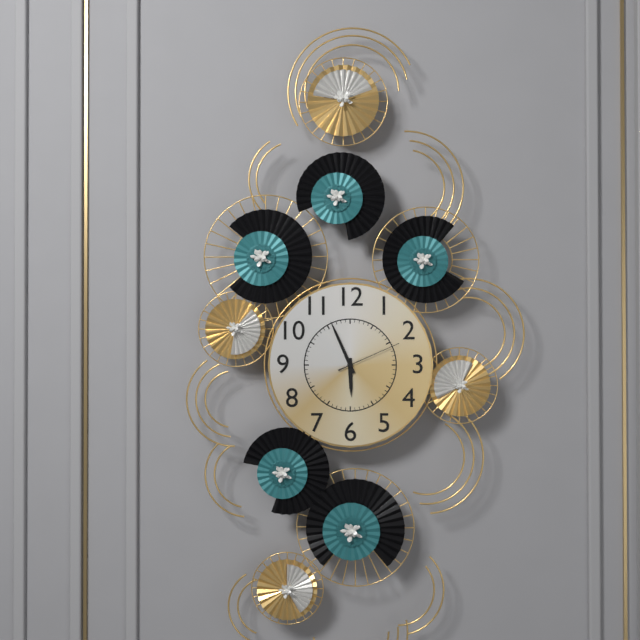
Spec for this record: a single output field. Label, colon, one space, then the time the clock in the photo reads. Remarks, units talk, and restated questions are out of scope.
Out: 5:56:11
